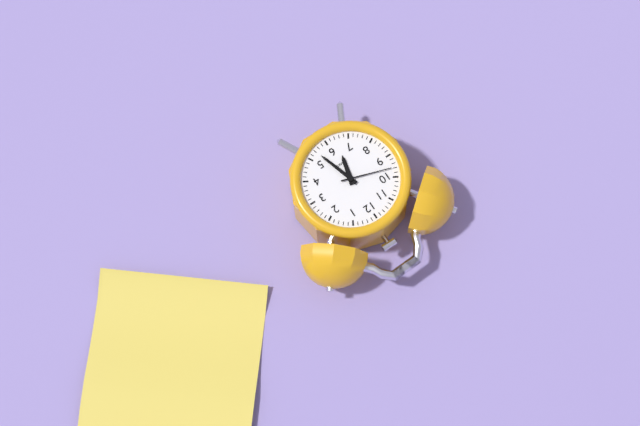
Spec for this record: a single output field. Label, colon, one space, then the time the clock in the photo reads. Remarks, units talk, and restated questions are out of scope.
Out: 6:27:48
